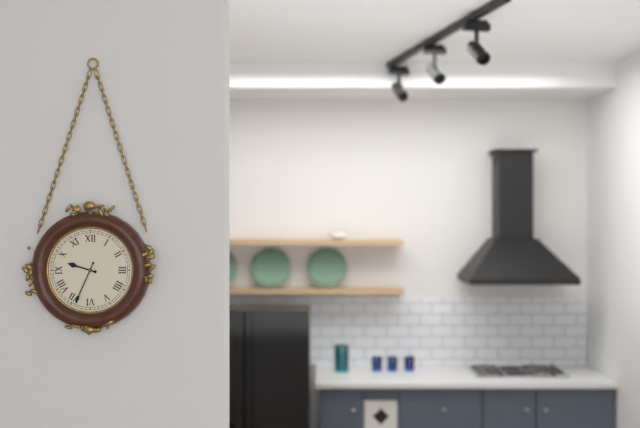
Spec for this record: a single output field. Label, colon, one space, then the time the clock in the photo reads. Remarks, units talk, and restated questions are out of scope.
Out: 9:34
